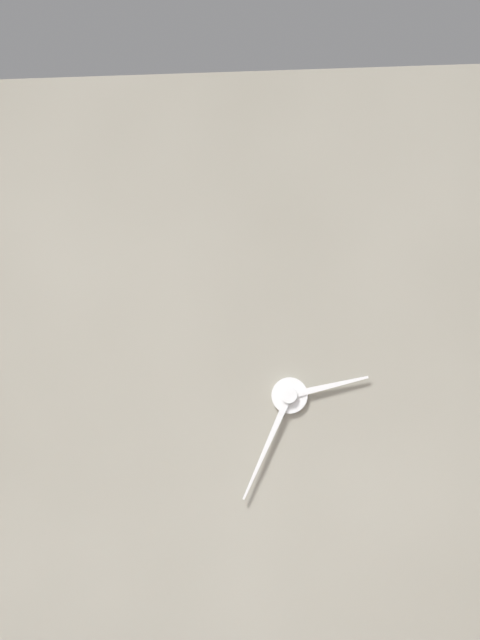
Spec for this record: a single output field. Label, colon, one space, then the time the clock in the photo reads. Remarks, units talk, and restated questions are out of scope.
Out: 2:34
